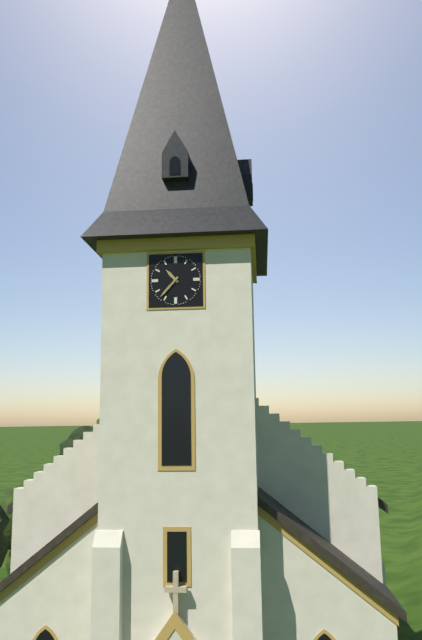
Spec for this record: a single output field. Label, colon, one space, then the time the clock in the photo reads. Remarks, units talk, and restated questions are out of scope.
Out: 10:37
